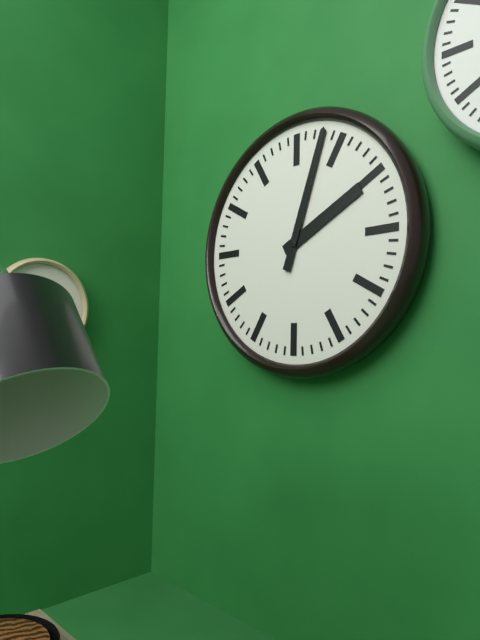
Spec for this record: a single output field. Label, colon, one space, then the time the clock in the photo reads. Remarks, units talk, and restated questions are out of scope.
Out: 2:03
